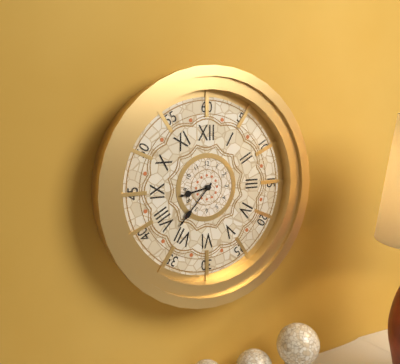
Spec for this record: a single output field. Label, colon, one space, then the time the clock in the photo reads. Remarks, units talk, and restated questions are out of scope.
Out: 8:37
